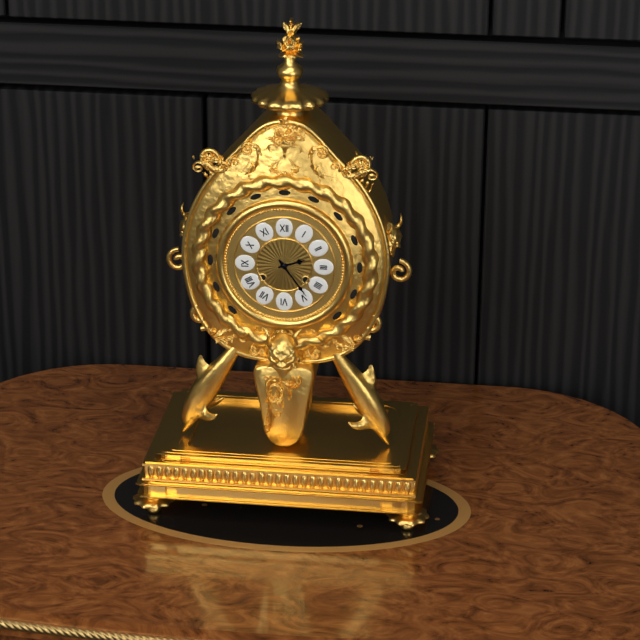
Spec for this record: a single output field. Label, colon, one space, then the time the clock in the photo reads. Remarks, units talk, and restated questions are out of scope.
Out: 2:24
